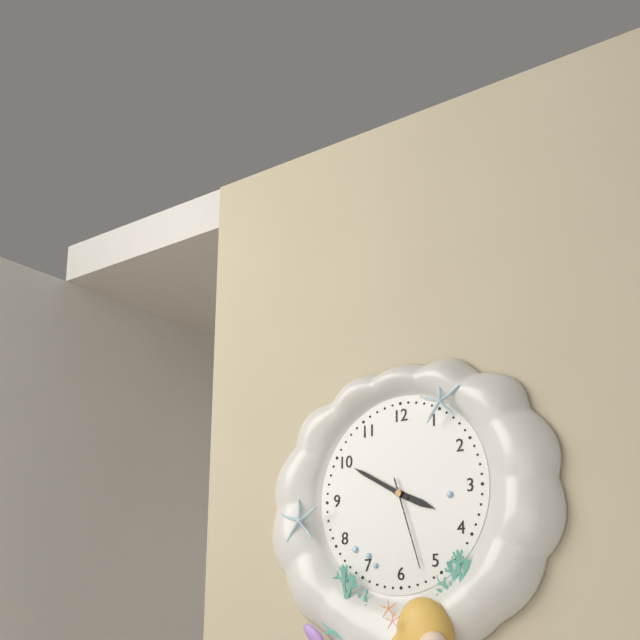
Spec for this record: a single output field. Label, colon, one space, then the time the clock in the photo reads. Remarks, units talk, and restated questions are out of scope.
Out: 3:50:27
